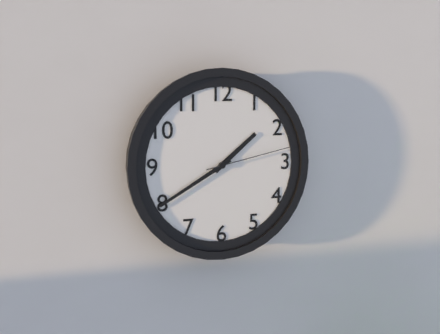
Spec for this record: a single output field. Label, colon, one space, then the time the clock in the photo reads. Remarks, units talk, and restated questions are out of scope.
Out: 1:40:13
